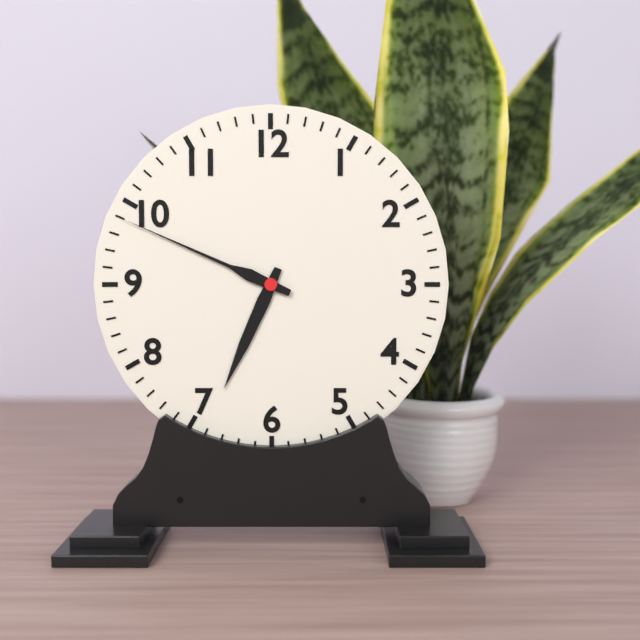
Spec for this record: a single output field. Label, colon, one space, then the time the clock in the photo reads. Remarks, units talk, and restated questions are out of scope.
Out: 6:49
